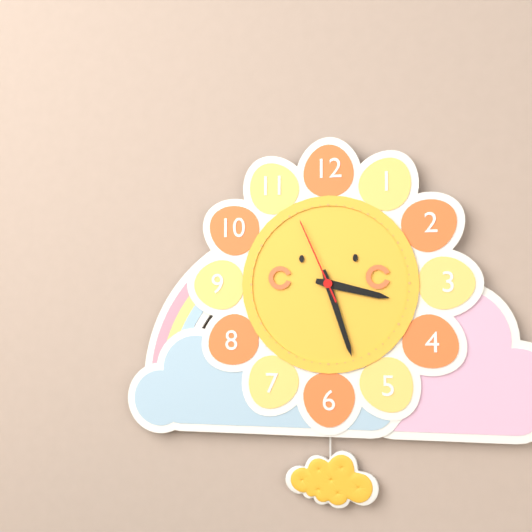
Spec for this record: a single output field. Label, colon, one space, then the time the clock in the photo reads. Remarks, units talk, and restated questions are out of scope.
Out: 3:27:56
